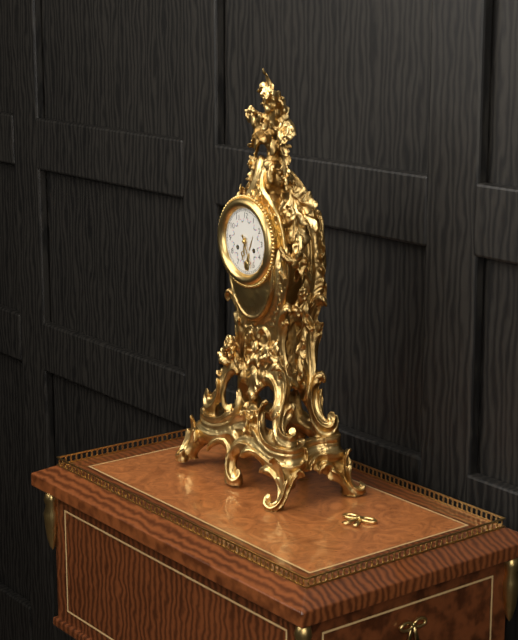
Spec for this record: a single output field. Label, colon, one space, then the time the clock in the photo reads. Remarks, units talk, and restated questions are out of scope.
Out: 6:26
